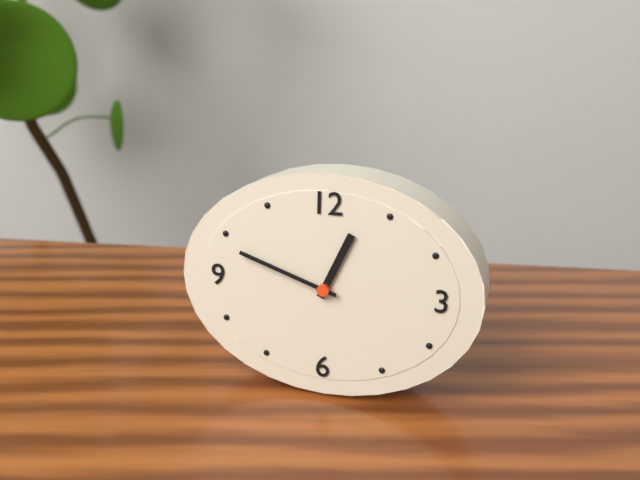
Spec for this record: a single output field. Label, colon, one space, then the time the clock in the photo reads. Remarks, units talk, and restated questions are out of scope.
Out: 12:48
